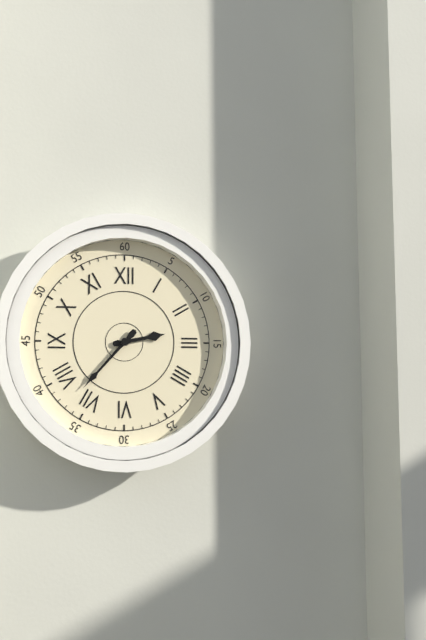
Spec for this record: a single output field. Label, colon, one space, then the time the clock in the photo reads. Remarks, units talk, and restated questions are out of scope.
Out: 2:37
